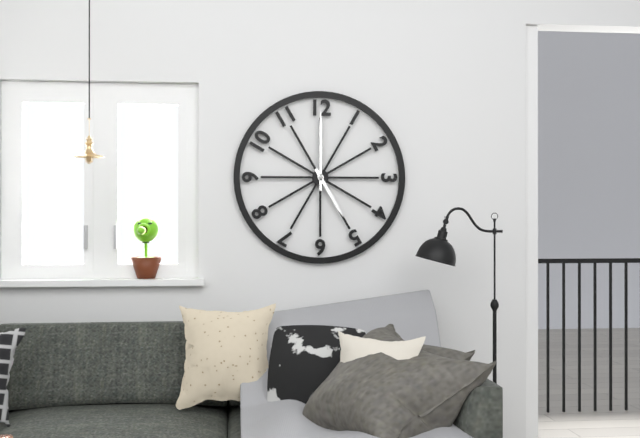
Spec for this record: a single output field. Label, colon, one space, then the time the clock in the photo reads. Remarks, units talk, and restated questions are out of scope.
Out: 5:00
